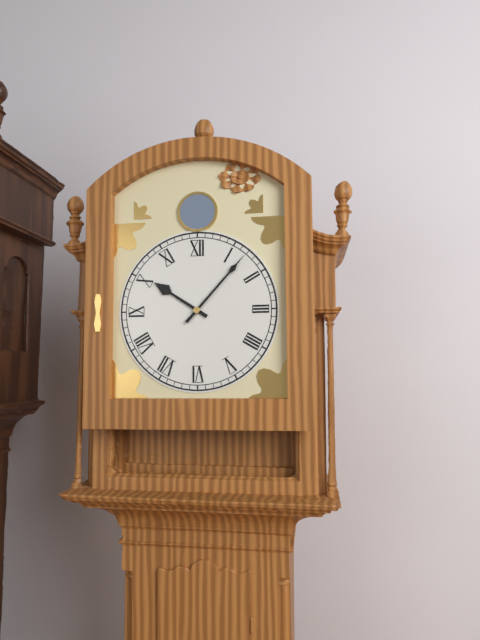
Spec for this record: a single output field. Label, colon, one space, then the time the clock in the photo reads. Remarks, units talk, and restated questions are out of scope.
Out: 10:07
